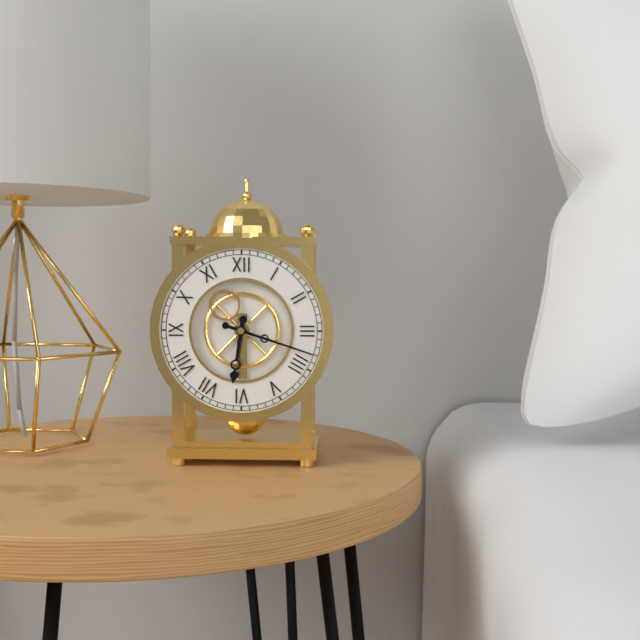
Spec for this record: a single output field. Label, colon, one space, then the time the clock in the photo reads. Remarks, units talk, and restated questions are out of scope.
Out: 6:18
